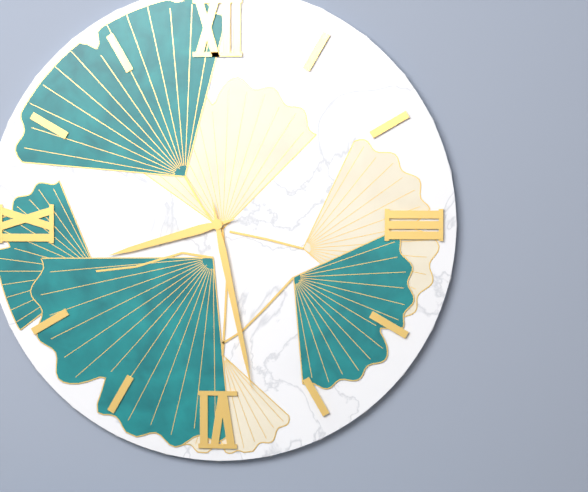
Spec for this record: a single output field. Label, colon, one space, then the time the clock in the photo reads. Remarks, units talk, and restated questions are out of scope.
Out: 8:28
